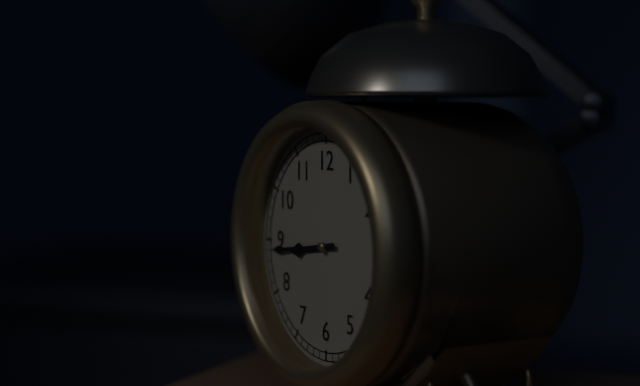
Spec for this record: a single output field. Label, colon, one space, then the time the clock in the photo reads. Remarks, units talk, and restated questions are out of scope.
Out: 8:44
